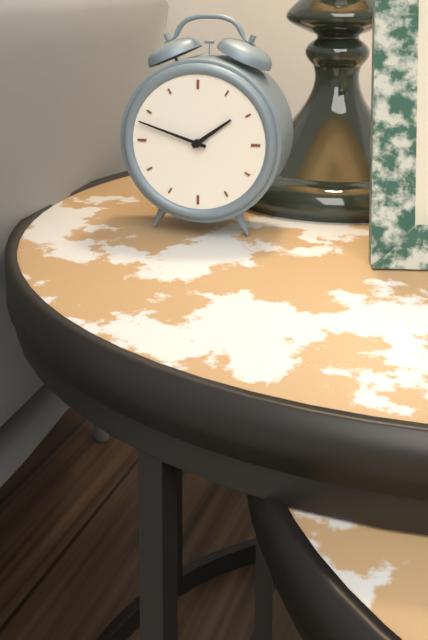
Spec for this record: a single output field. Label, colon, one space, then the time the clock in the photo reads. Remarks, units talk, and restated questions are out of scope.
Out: 1:48
